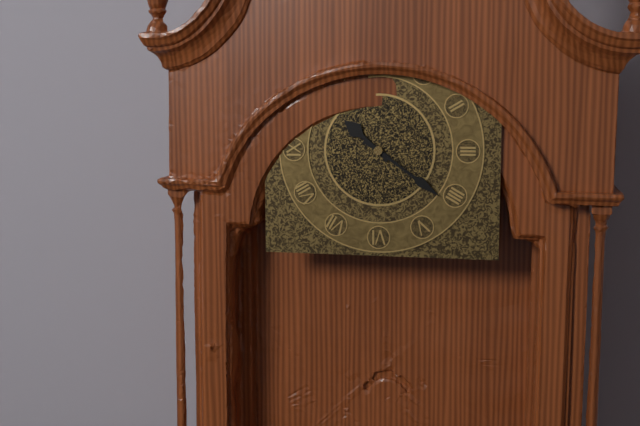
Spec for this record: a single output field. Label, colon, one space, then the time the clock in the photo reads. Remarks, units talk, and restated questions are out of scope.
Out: 10:21
